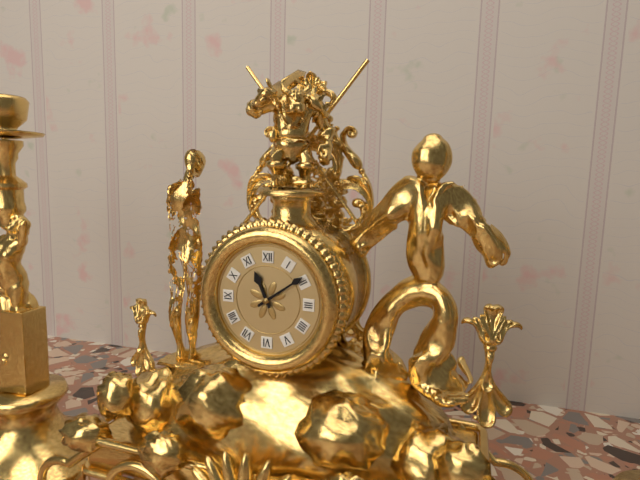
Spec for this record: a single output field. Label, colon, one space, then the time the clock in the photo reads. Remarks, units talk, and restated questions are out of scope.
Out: 11:09
